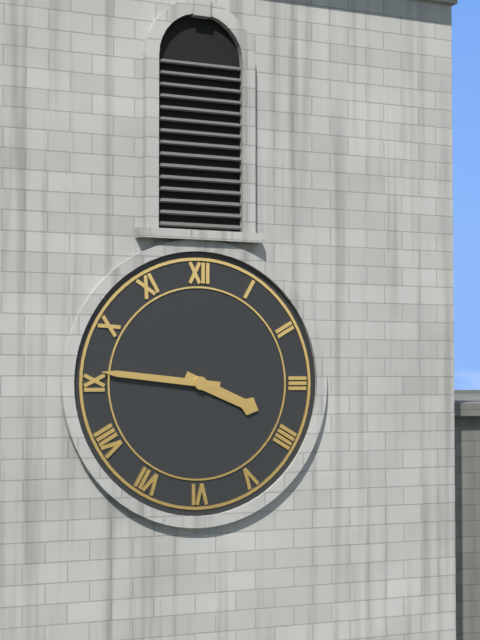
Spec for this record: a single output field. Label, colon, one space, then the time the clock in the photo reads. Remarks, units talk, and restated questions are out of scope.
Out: 3:46
